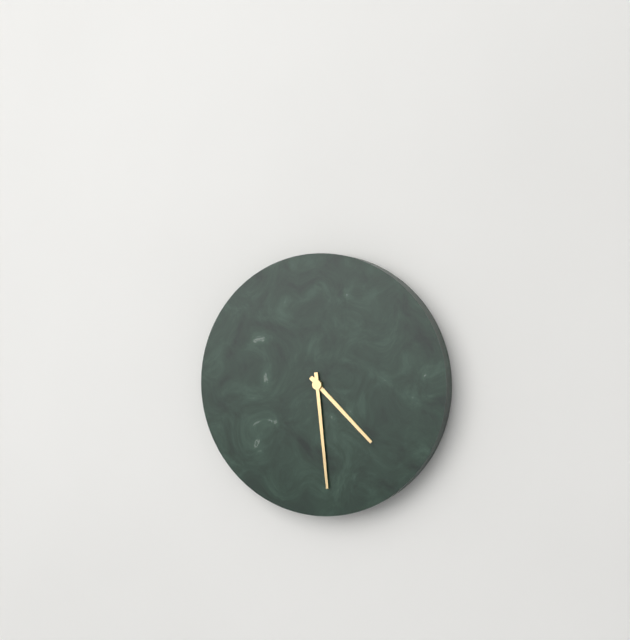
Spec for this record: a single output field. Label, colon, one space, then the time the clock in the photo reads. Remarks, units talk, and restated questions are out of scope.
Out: 4:29
